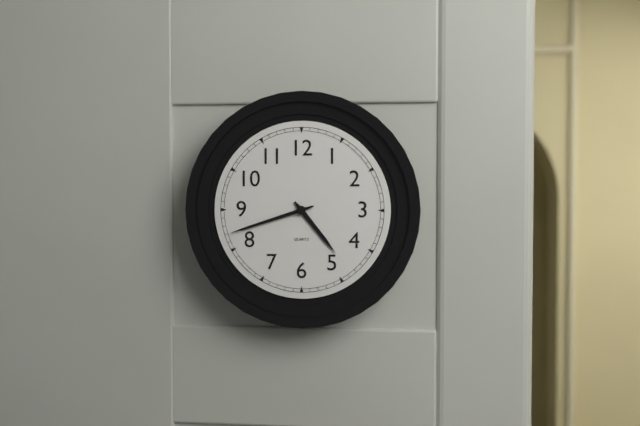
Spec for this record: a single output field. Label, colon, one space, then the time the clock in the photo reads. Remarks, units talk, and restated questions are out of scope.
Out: 4:42
